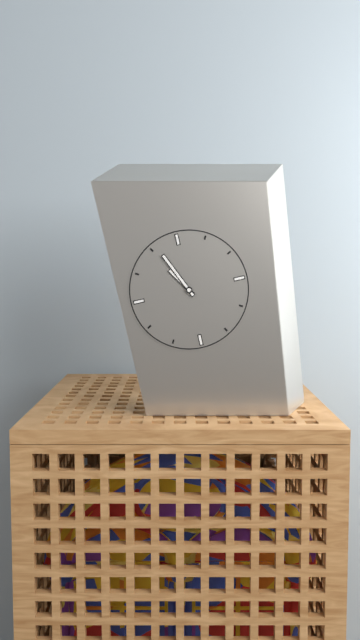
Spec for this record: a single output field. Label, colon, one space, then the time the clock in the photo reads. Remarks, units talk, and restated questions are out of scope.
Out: 10:56
